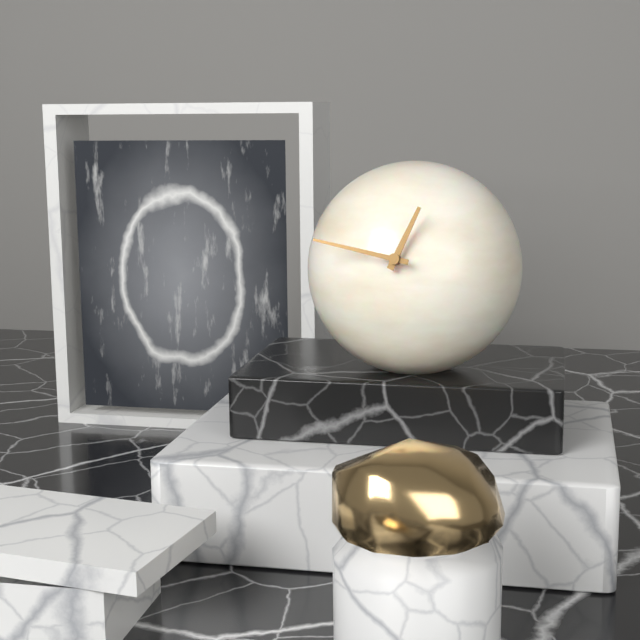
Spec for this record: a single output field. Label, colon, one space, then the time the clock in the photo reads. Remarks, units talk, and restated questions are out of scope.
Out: 12:47
